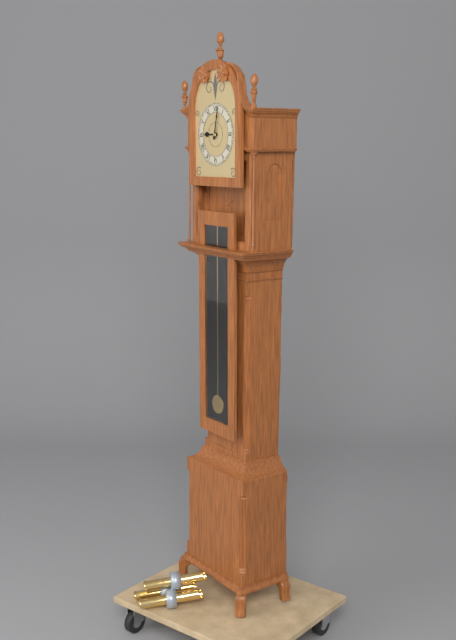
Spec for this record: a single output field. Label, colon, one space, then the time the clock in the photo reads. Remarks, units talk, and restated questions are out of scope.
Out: 9:02
